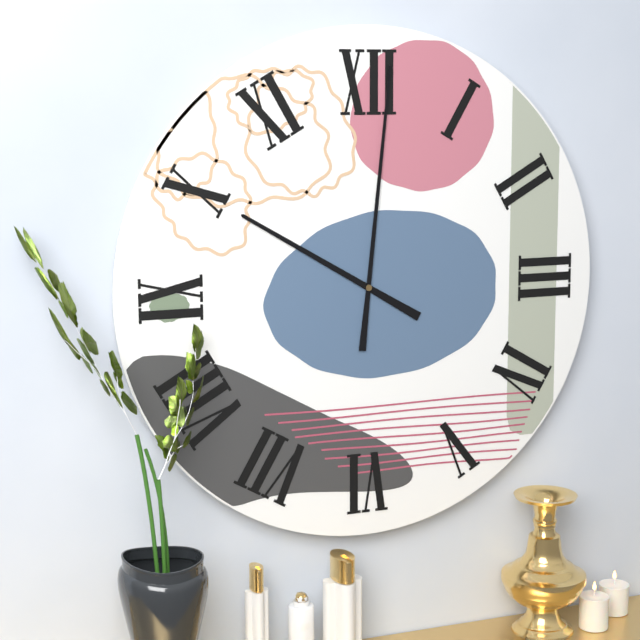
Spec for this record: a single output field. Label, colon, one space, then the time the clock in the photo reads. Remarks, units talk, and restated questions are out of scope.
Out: 10:01
